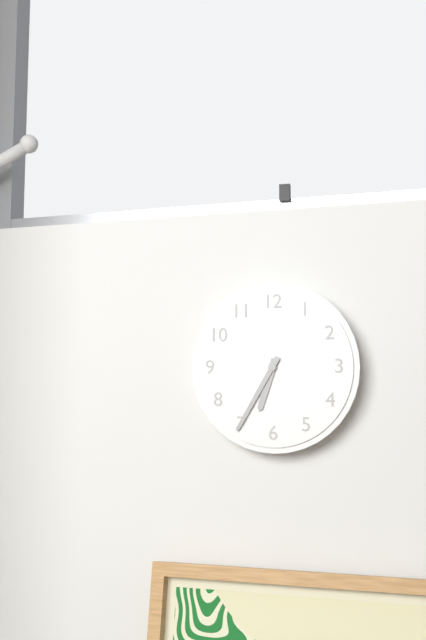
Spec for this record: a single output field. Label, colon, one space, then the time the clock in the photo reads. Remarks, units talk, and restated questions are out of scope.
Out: 6:35
